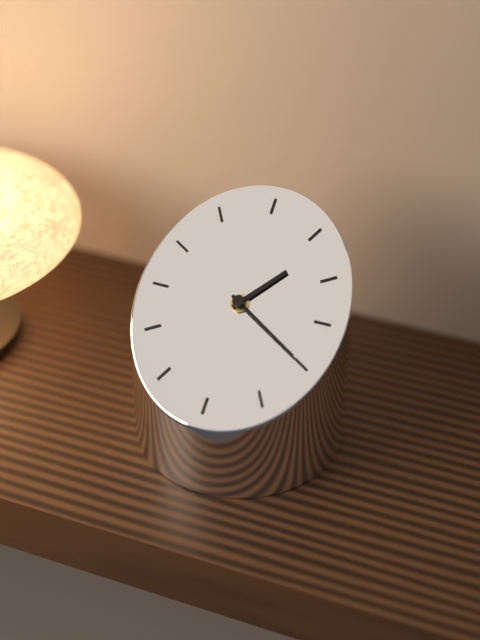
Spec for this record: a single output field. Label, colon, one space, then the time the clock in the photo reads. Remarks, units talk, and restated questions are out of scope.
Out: 1:20
